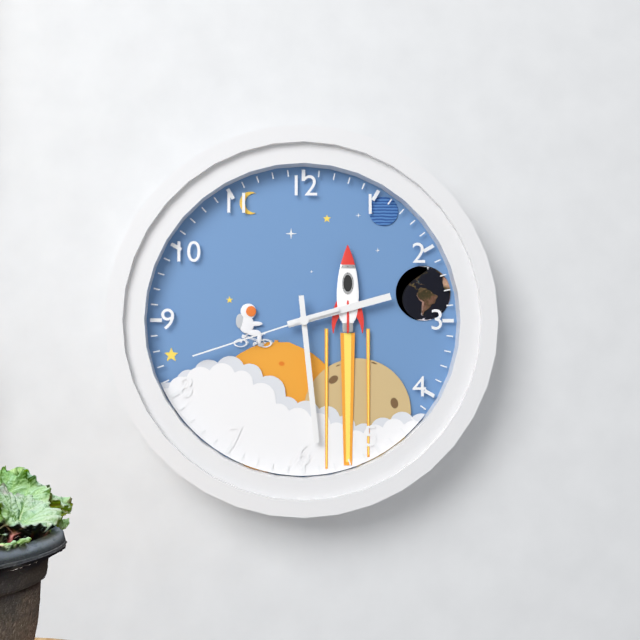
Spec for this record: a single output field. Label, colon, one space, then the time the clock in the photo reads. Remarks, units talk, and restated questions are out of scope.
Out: 2:29:42
